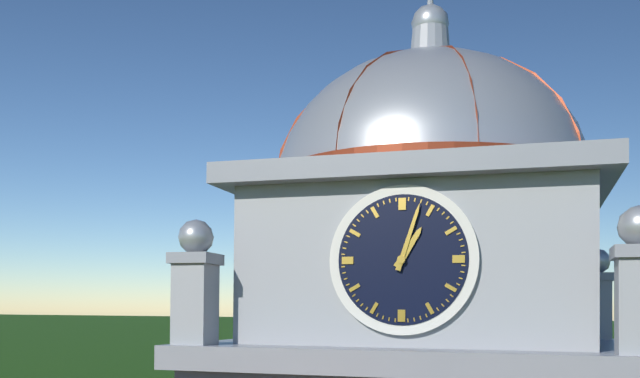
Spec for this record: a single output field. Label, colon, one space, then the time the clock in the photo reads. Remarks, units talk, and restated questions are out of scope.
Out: 1:03
